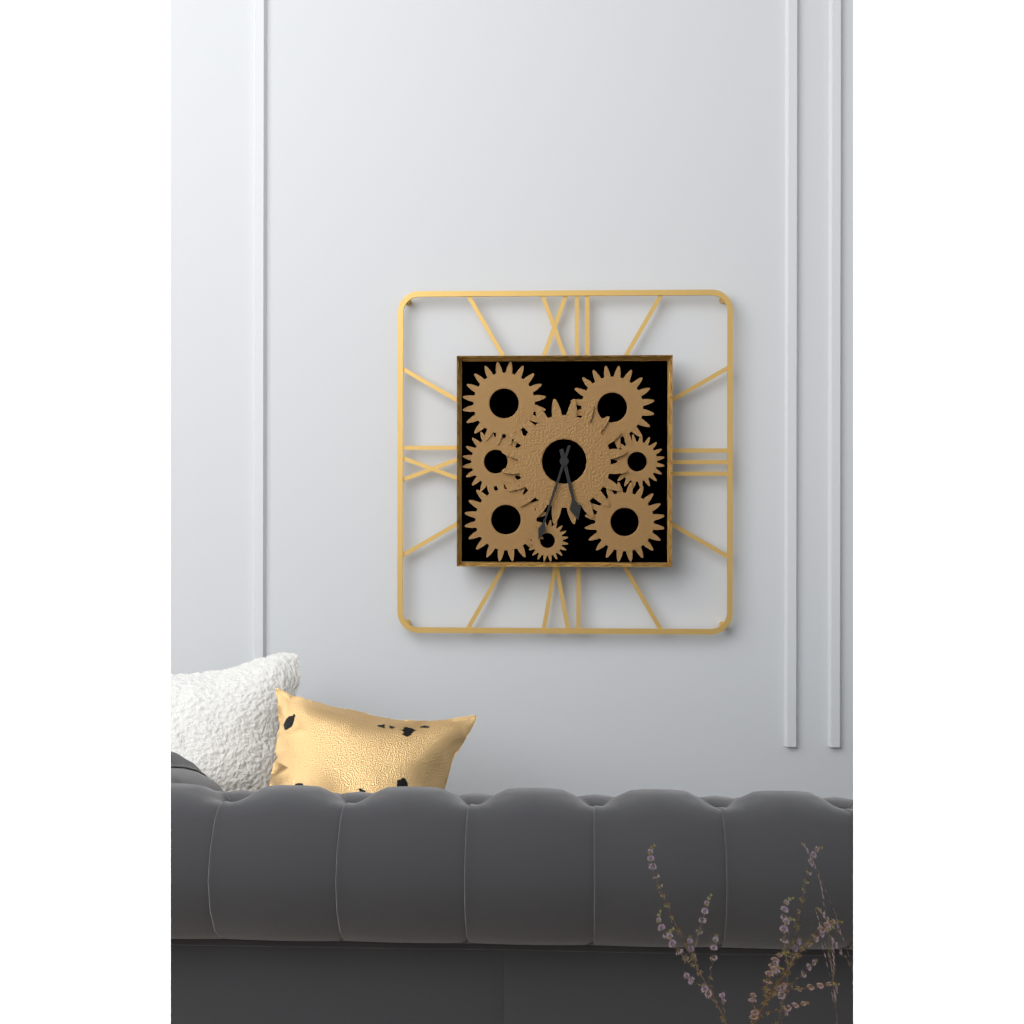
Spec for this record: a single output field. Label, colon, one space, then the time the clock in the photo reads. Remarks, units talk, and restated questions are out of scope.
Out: 5:33
